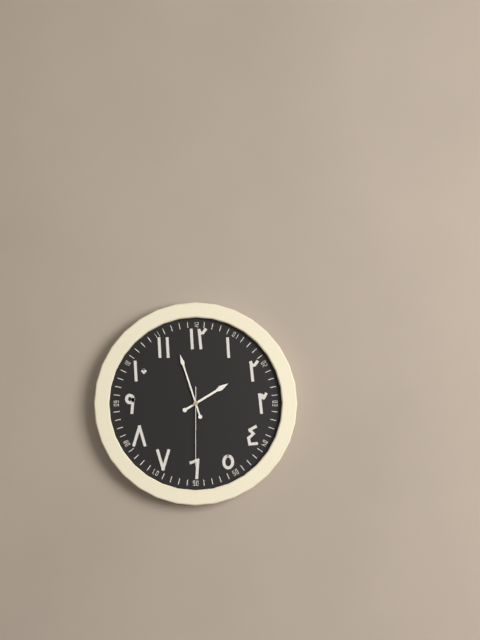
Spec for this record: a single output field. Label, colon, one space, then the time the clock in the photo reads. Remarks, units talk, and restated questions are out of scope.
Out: 1:57:30
